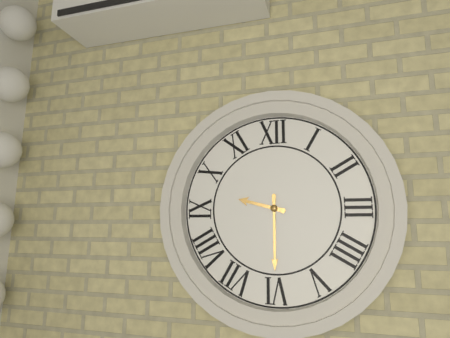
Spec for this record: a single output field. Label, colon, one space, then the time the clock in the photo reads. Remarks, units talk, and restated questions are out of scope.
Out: 9:30
